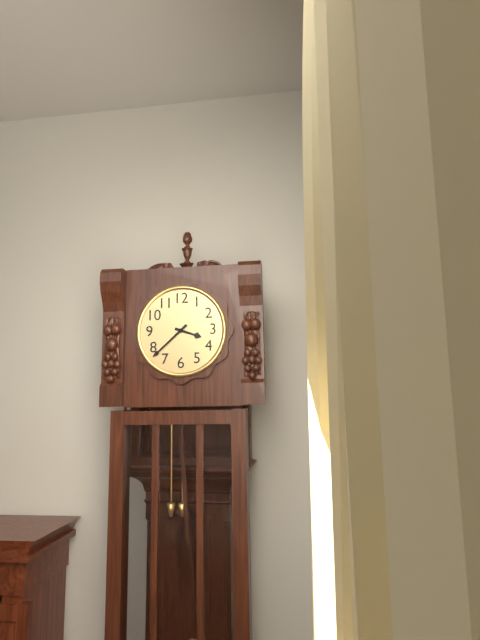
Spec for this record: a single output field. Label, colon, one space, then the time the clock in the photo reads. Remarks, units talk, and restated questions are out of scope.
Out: 3:38
